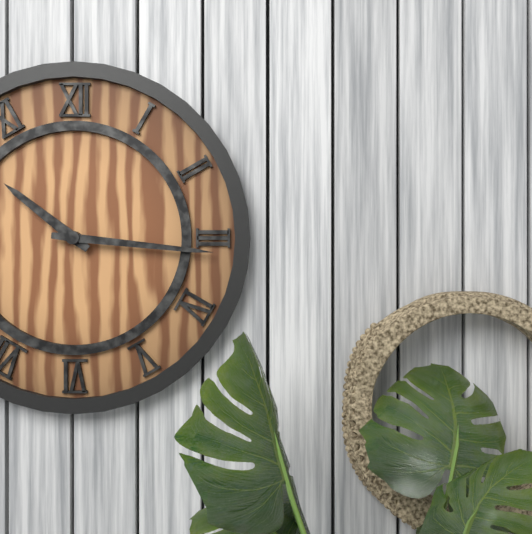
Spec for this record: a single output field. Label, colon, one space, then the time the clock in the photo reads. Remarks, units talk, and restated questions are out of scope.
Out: 10:16
